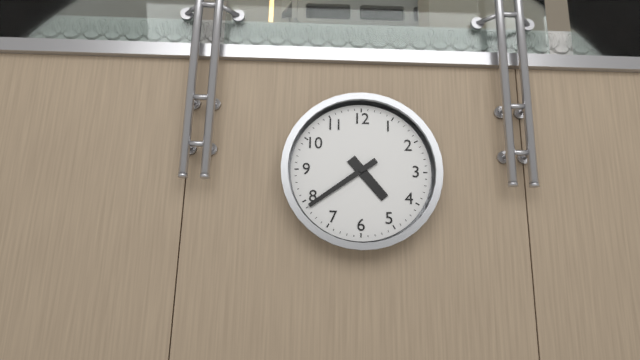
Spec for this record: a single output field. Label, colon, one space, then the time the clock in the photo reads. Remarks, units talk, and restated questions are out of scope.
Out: 4:39
